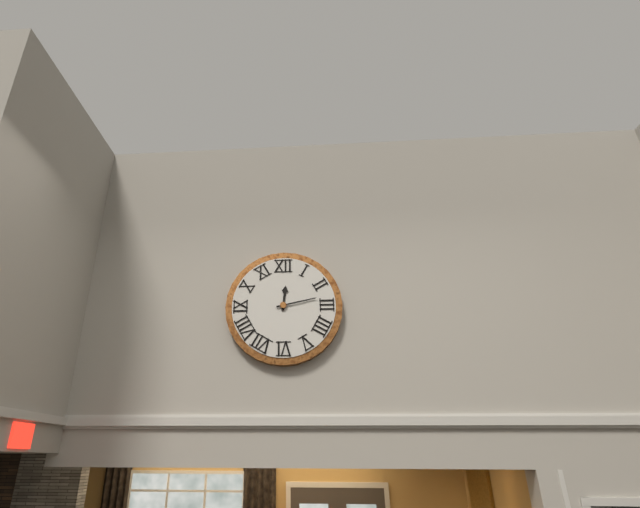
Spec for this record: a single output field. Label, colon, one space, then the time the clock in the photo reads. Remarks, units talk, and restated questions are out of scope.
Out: 12:13
